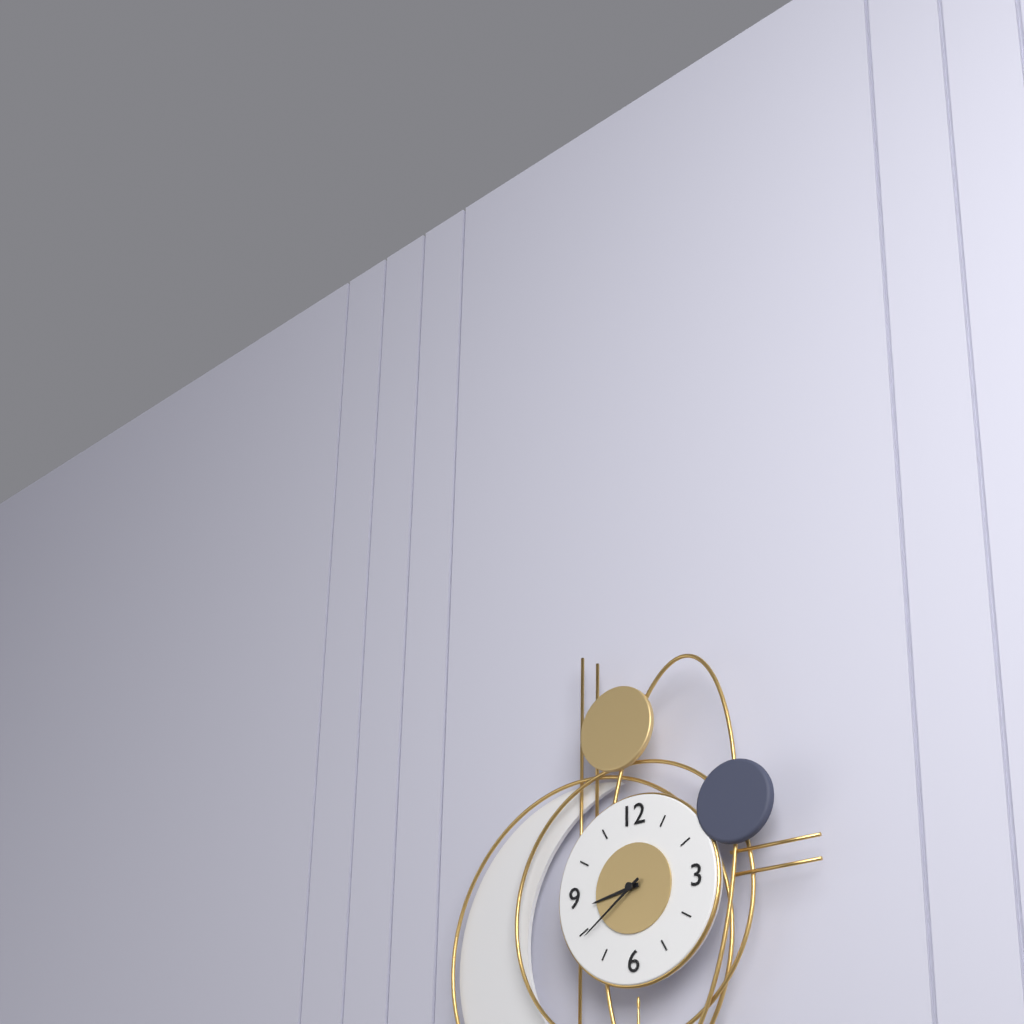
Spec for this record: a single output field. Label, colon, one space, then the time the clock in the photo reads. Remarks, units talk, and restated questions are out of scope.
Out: 8:39
